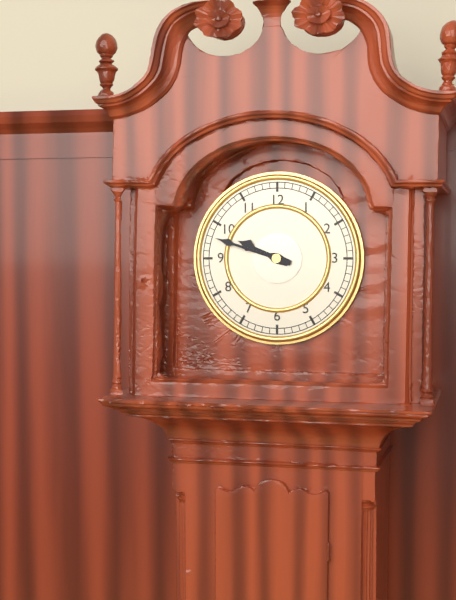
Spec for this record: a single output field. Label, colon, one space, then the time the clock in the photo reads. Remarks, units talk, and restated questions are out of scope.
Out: 9:48
